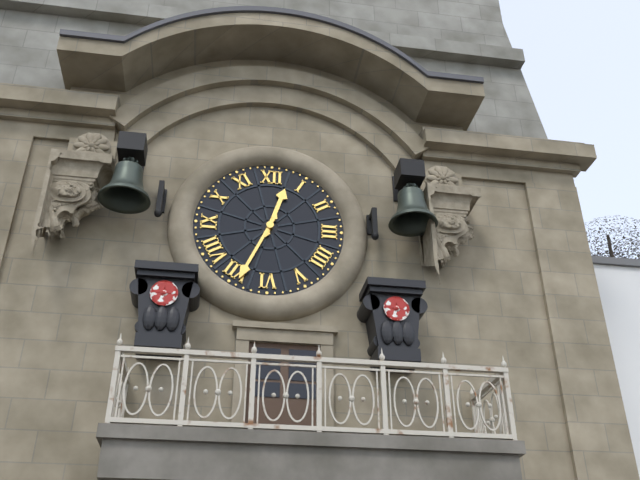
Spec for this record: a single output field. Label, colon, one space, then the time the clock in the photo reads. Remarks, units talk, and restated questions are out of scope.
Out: 12:34
